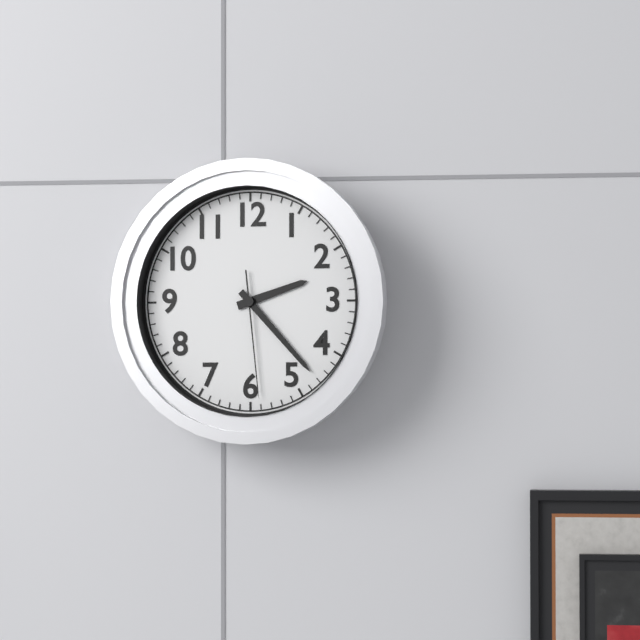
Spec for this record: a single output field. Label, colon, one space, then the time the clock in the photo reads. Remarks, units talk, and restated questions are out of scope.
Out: 2:23:29
